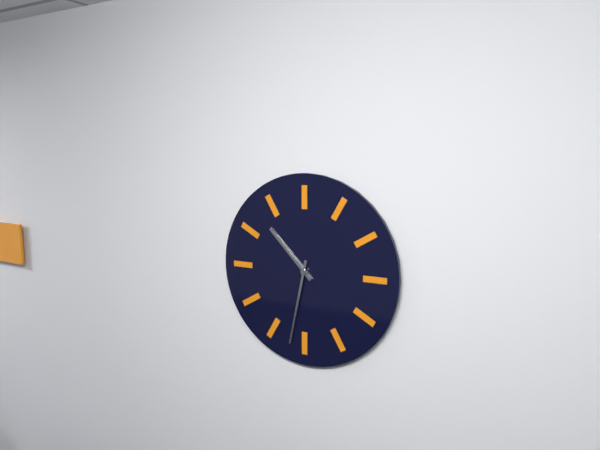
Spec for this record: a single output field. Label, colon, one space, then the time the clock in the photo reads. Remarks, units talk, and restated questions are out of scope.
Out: 10:32
